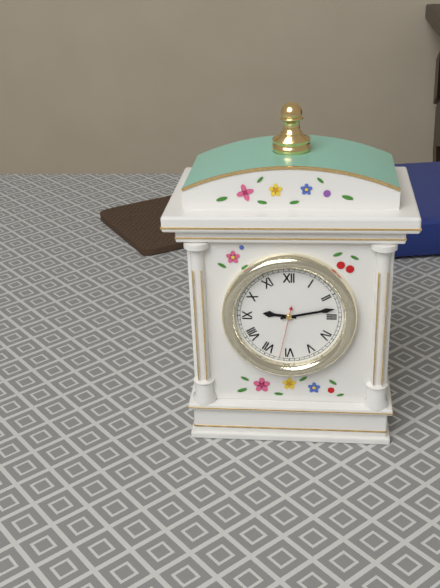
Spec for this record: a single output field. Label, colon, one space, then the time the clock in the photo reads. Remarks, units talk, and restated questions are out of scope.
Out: 9:13:32
